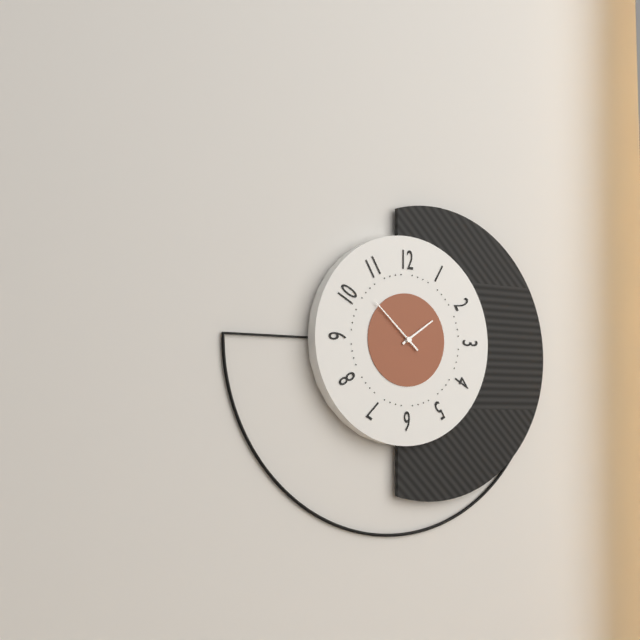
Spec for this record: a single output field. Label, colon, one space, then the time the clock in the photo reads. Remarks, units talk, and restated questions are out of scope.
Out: 1:52
